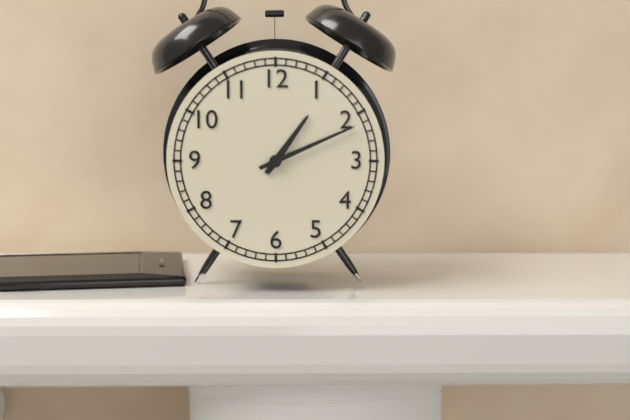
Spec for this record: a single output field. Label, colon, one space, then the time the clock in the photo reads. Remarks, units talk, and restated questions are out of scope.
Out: 1:11
